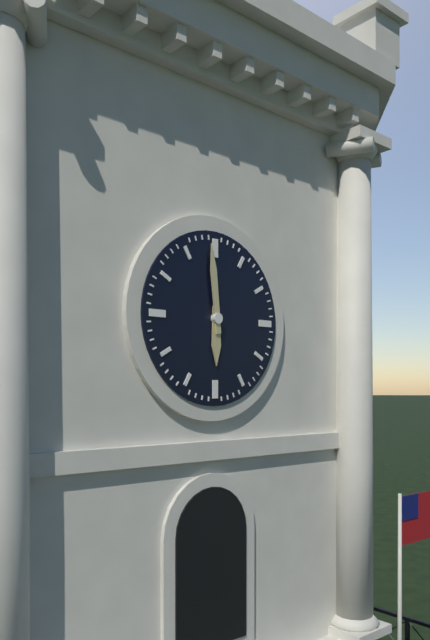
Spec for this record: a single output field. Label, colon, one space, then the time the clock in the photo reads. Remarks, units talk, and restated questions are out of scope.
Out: 5:59
